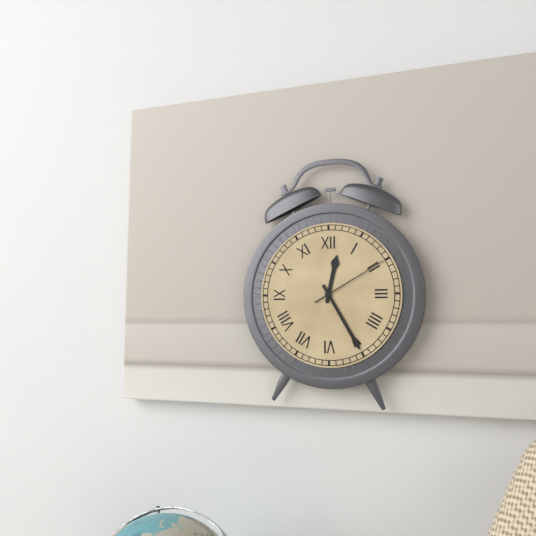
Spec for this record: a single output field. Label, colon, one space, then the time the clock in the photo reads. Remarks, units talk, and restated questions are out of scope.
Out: 12:25:10
